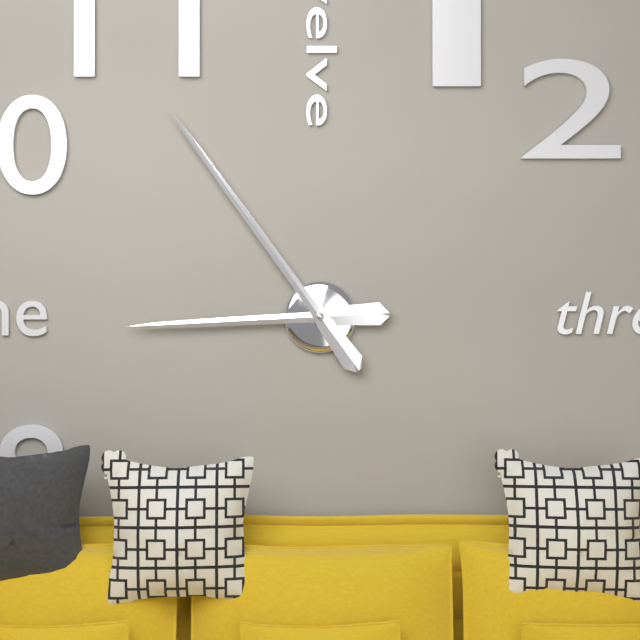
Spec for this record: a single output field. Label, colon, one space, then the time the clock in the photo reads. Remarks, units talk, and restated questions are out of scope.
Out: 8:54
